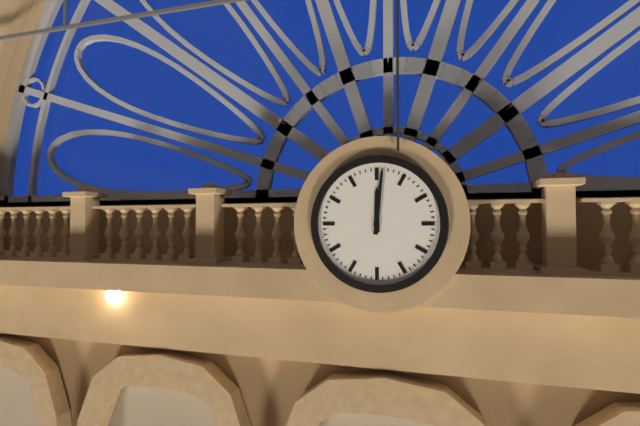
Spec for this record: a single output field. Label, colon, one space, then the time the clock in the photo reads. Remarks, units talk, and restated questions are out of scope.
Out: 12:01
